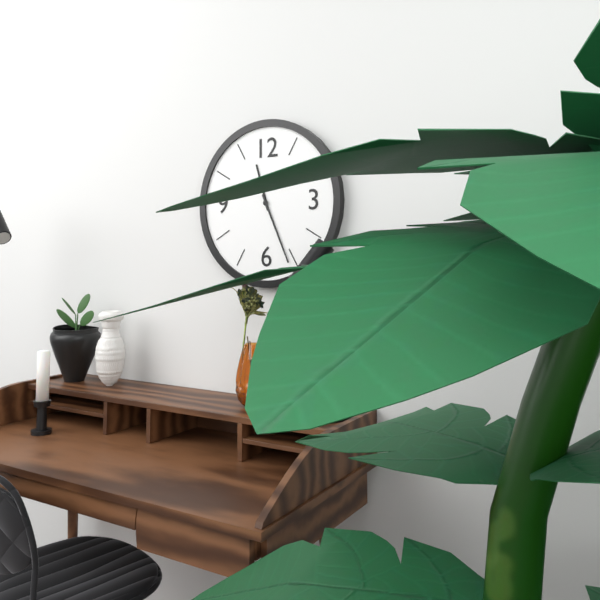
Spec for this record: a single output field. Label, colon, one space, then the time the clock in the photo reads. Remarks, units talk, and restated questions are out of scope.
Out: 11:26
